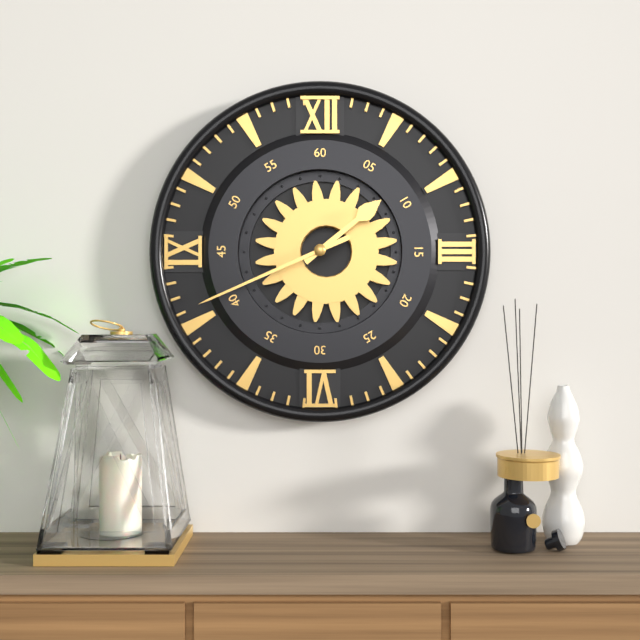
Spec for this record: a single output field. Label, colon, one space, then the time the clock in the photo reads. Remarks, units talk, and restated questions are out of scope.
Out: 1:41
